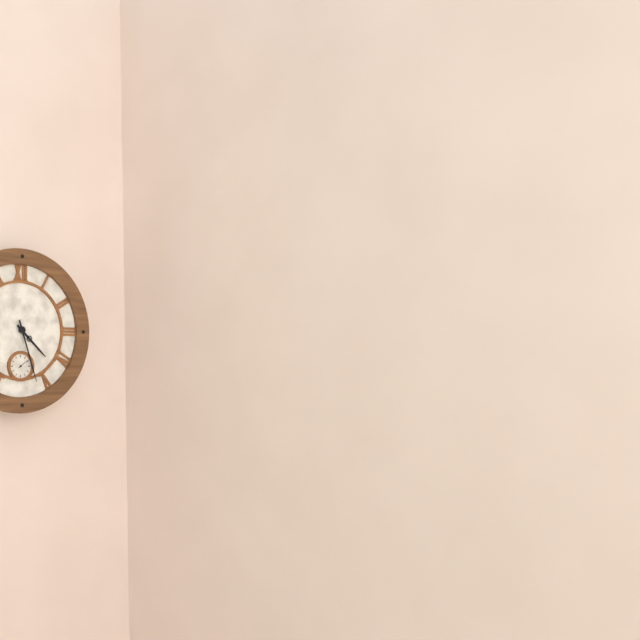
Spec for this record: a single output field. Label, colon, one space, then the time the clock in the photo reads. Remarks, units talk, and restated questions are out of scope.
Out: 4:27
